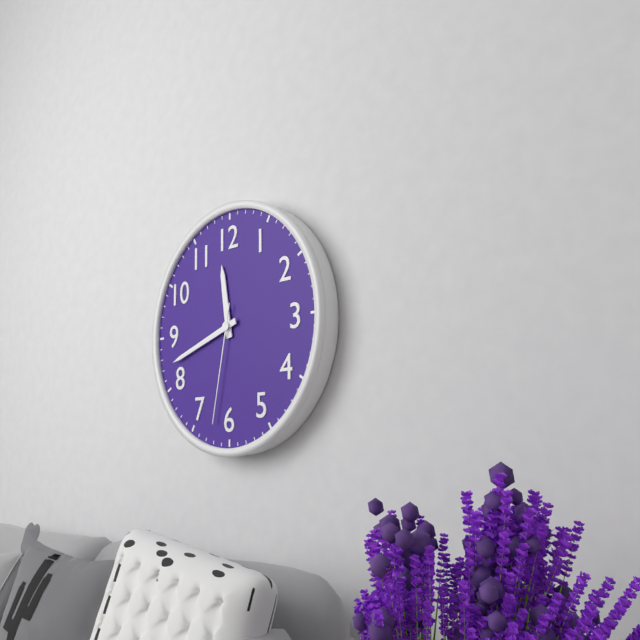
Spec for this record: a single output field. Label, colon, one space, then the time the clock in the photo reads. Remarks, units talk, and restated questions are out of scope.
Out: 11:42:32
